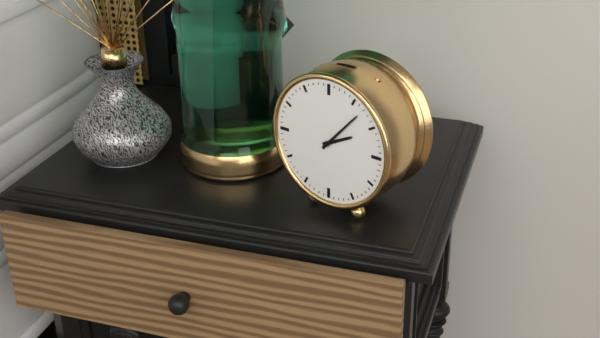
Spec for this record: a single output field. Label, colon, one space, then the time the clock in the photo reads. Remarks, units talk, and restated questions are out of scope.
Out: 2:07
